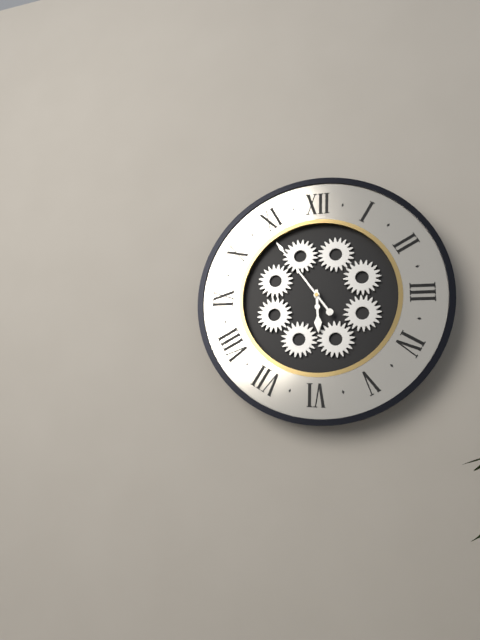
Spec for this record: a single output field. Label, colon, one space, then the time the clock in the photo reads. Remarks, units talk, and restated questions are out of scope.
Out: 5:54
